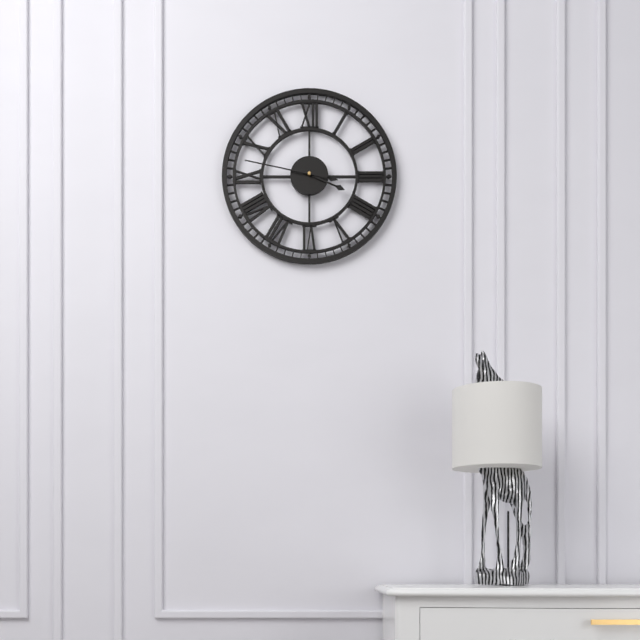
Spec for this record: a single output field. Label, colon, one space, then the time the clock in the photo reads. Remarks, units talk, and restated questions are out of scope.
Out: 3:47
